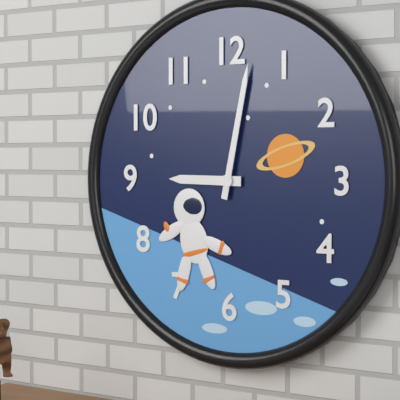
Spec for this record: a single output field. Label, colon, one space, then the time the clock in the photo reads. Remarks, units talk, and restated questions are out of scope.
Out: 9:02
